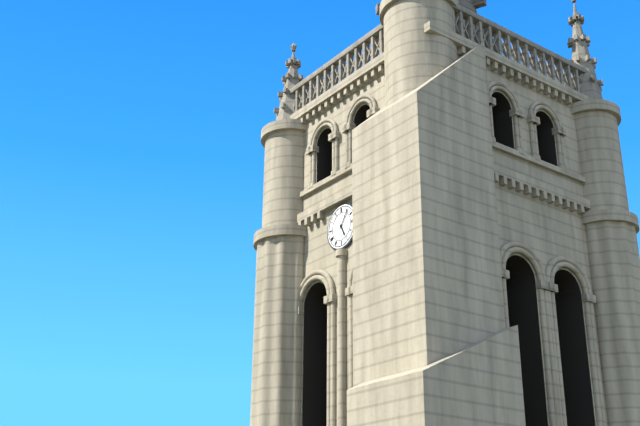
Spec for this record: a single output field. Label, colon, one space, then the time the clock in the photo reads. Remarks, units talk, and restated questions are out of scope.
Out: 5:06
